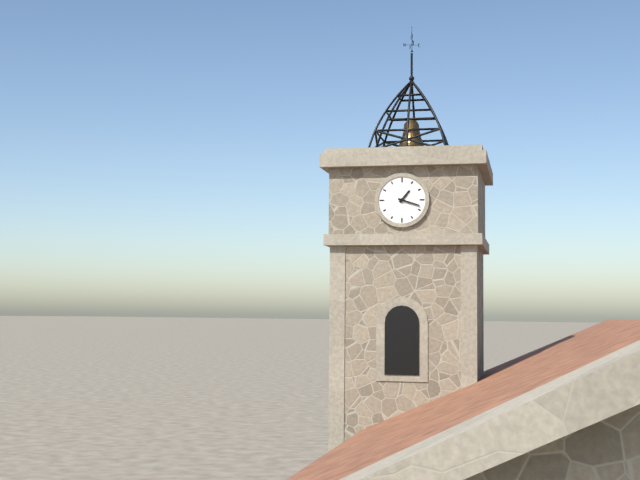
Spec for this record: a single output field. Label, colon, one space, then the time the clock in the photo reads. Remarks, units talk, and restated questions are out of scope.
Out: 1:18
